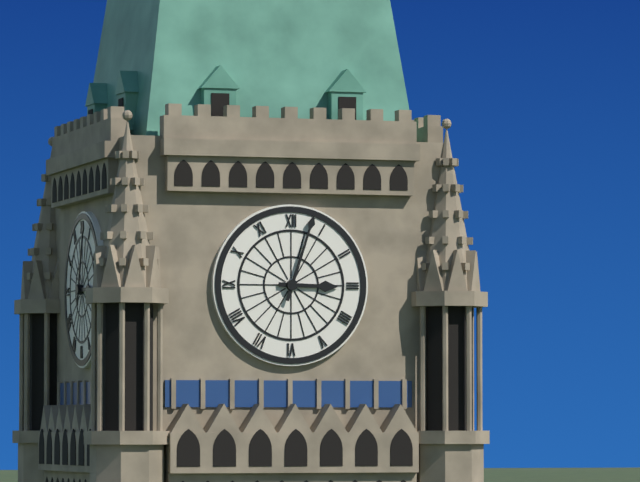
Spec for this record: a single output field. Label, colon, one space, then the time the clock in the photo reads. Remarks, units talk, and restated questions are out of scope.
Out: 3:03
